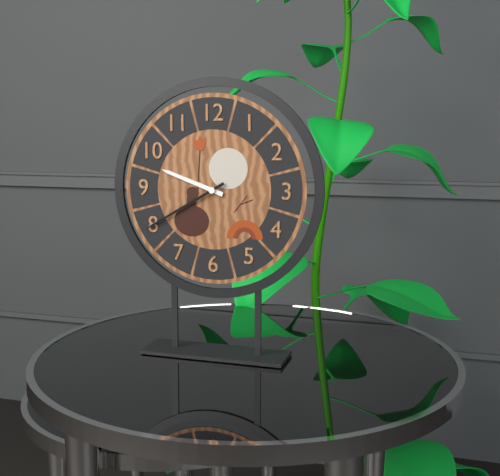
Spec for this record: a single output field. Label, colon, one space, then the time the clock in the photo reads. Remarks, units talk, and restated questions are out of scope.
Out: 9:40
